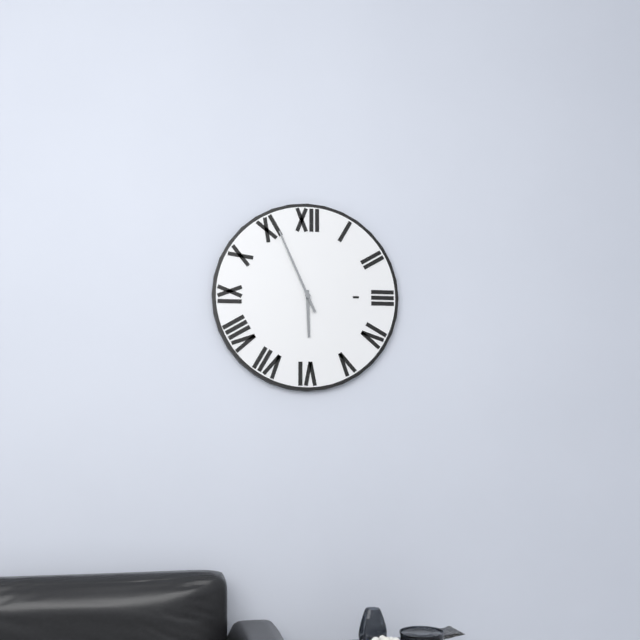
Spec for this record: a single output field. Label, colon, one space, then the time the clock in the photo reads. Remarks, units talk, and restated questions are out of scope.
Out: 5:56
